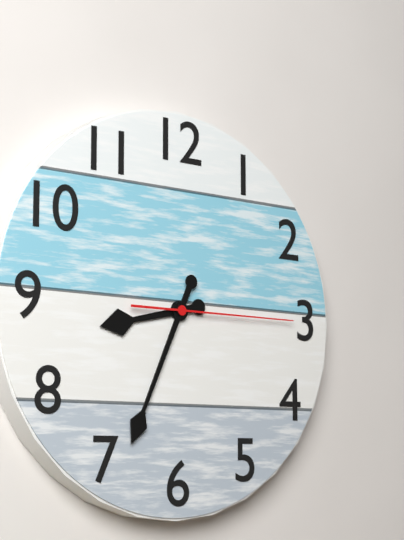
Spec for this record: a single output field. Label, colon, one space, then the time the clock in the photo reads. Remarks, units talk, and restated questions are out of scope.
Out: 8:34:15
